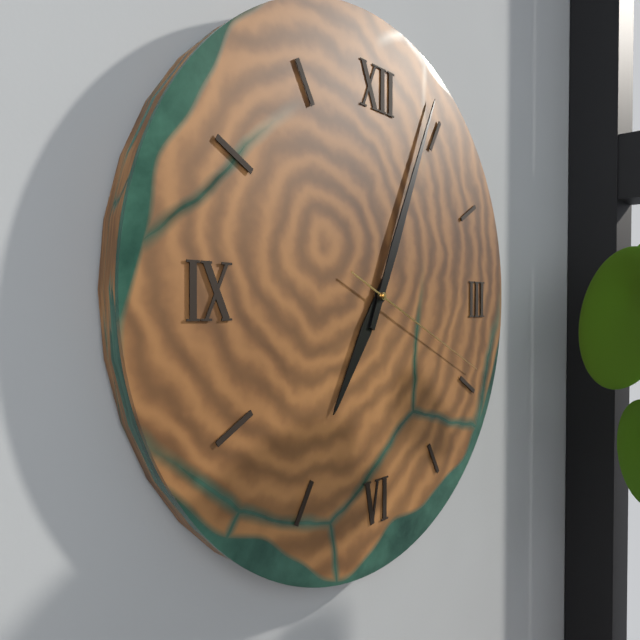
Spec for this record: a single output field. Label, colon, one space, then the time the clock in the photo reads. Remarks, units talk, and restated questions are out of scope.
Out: 7:04:19
